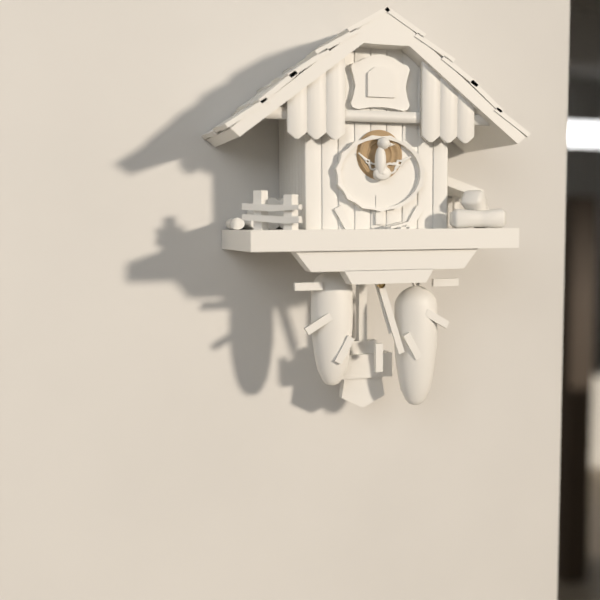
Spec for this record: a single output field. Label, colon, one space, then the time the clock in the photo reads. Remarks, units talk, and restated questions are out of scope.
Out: 5:27
